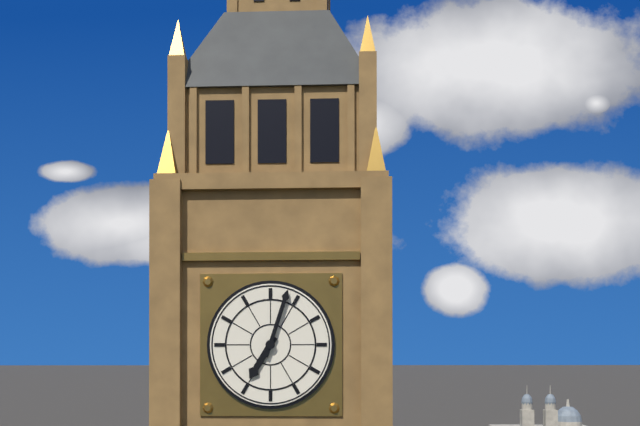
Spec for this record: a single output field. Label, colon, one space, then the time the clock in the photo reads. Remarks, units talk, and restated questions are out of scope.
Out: 7:03
